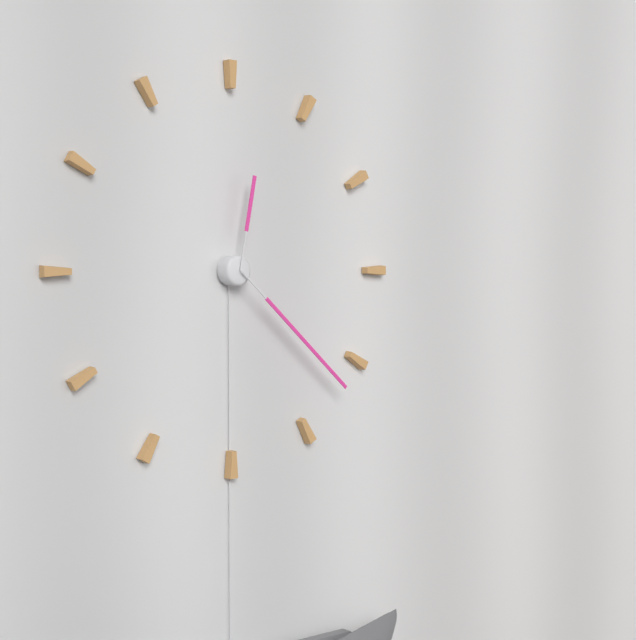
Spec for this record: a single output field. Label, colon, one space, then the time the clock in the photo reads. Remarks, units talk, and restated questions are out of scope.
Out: 12:22
